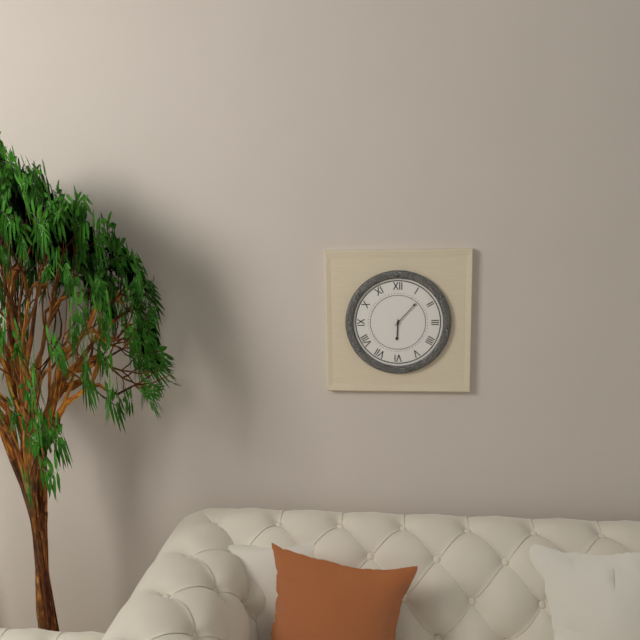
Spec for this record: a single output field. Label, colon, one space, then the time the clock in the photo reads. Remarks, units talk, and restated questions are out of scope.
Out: 6:07
